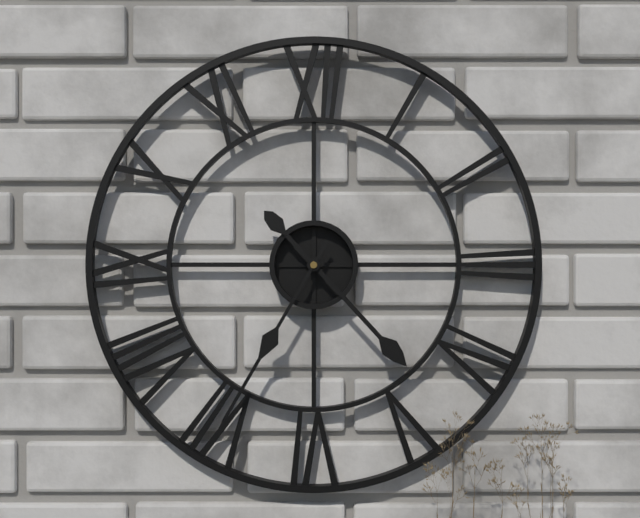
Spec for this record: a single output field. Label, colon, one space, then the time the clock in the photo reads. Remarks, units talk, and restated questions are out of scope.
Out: 4:35
